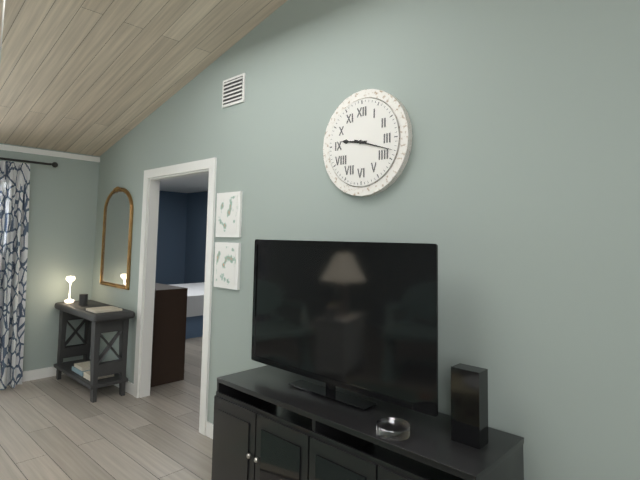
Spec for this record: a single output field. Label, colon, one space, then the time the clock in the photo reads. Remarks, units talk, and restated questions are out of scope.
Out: 9:18
